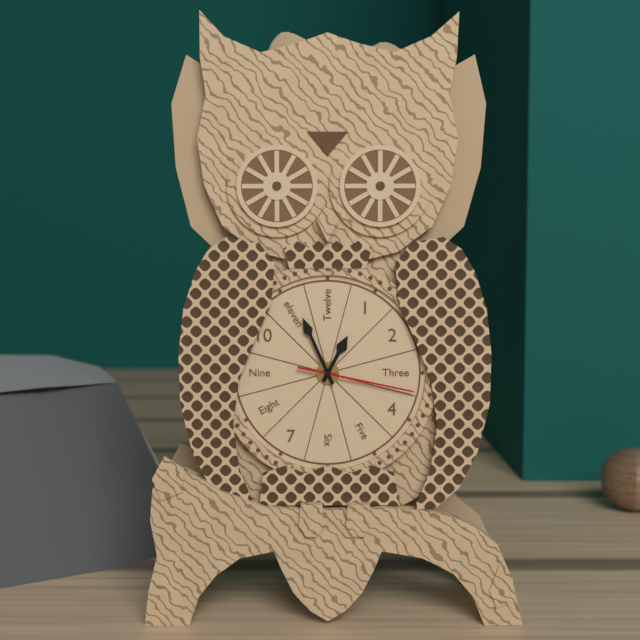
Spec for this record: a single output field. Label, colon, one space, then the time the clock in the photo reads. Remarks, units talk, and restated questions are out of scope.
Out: 12:56:17
